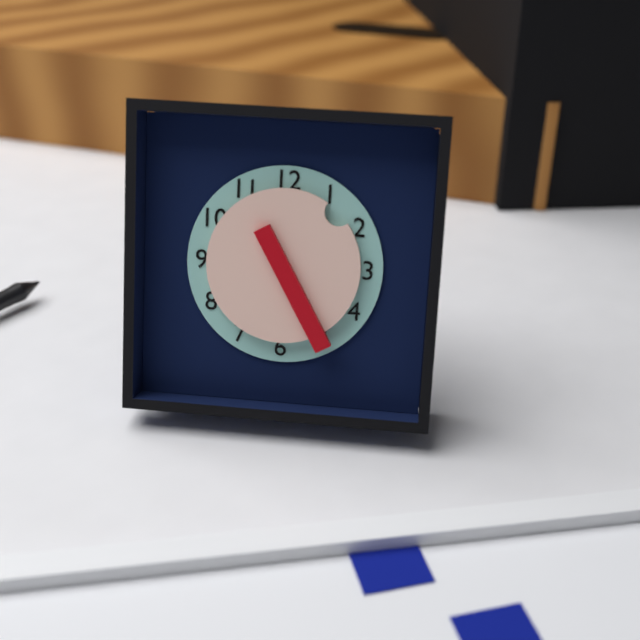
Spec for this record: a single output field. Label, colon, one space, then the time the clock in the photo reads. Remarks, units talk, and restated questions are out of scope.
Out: 1:25
